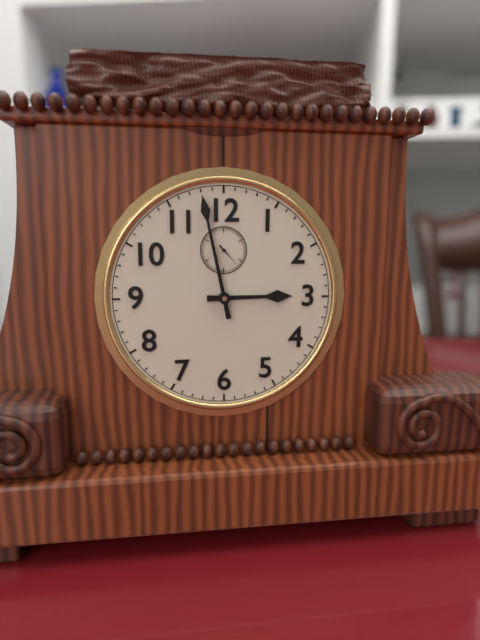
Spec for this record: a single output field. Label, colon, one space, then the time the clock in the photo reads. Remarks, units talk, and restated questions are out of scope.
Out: 2:58
